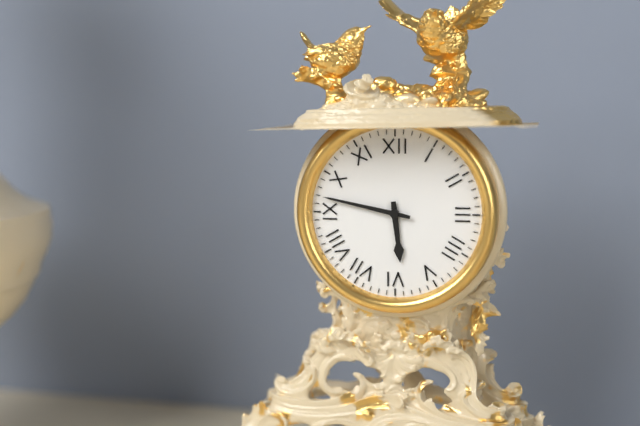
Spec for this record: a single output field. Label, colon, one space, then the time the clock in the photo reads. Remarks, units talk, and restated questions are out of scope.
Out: 5:47
